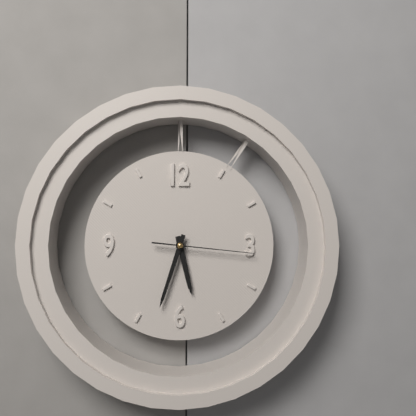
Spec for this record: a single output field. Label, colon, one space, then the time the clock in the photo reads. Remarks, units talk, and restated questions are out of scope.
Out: 5:33:16
